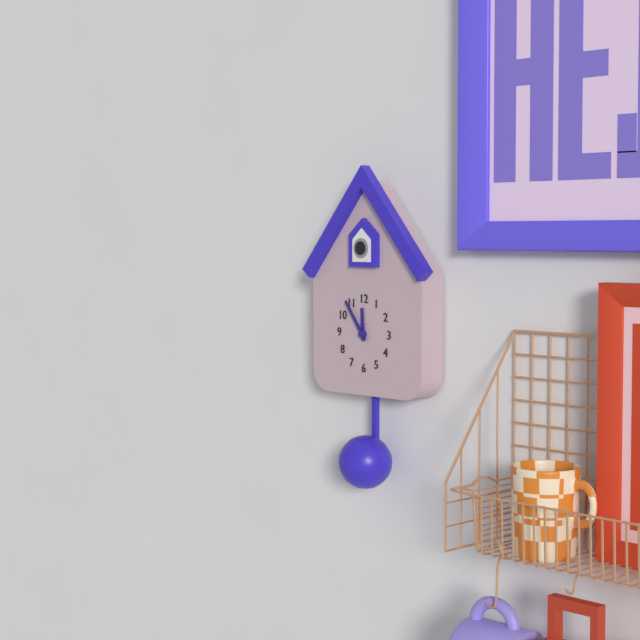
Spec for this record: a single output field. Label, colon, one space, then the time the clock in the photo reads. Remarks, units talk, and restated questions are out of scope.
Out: 11:54
